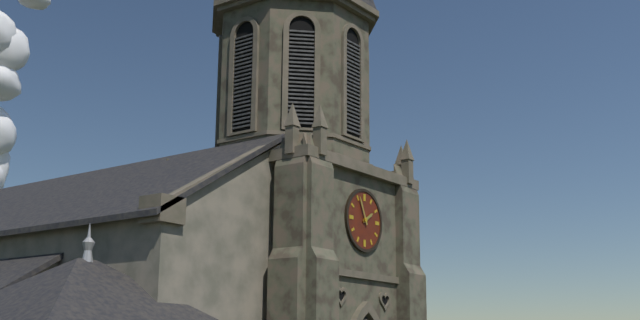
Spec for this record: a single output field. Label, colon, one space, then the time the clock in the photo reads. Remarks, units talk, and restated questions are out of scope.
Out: 1:56
